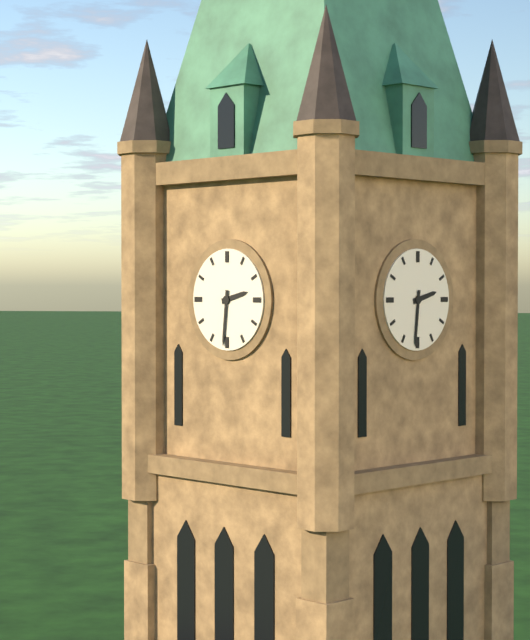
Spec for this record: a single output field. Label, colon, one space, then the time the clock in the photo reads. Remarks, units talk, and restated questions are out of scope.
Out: 2:31
